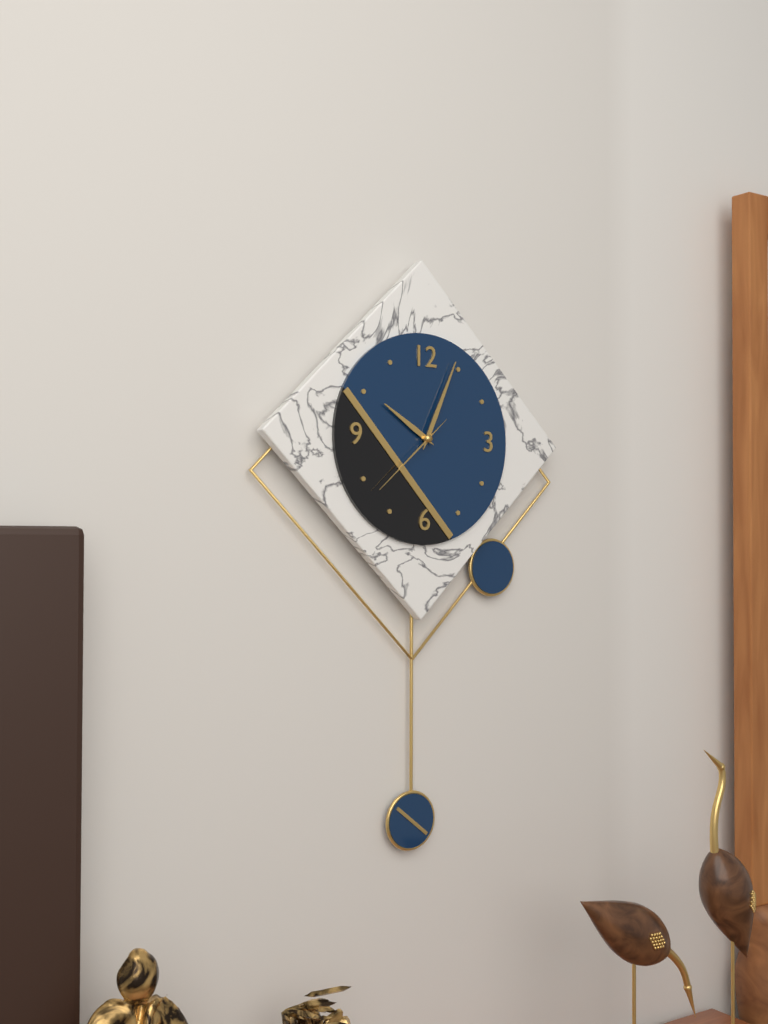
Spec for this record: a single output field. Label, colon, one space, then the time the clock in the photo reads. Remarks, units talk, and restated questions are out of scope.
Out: 10:04:38
